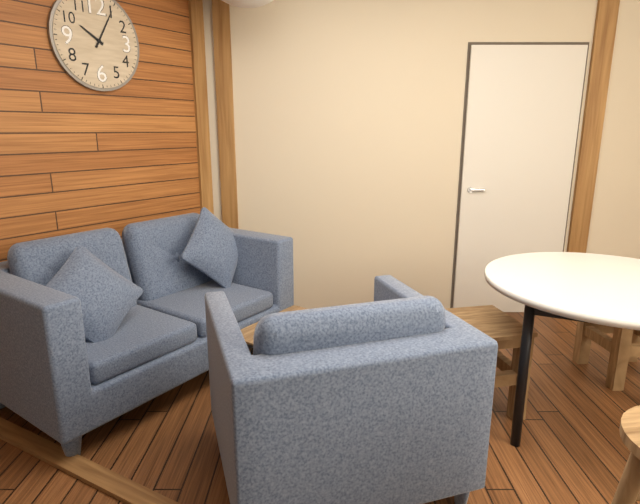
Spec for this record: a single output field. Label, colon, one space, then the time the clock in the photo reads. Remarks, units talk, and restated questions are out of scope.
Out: 10:05
